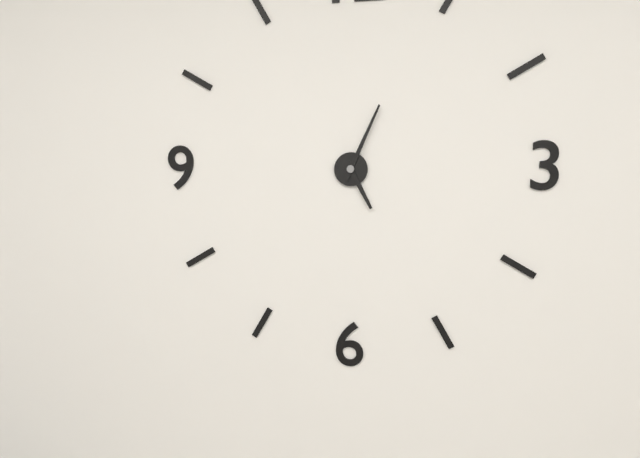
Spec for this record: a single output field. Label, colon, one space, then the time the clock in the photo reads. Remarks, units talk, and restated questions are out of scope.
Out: 5:04
